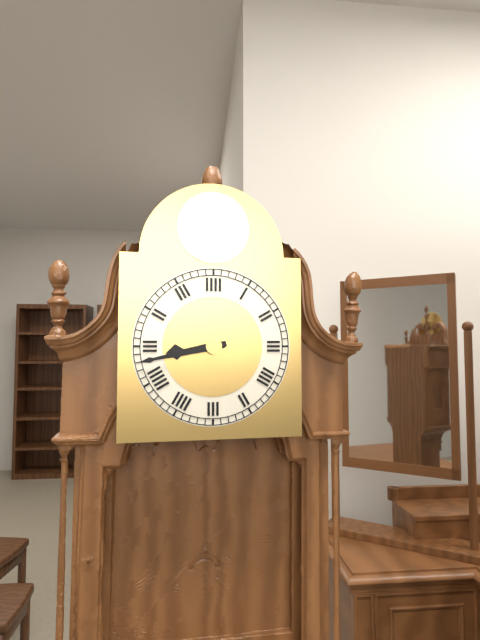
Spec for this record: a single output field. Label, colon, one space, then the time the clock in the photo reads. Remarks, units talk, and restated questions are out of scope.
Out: 8:43
